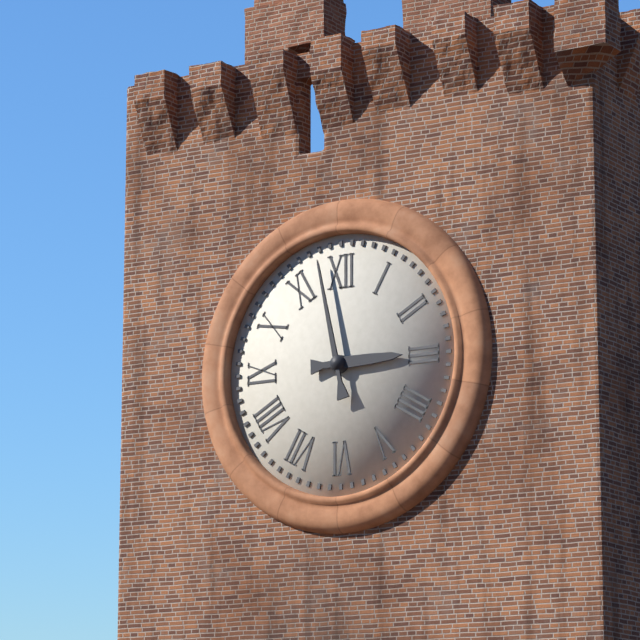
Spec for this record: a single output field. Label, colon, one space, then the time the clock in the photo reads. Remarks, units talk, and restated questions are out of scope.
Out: 2:58
